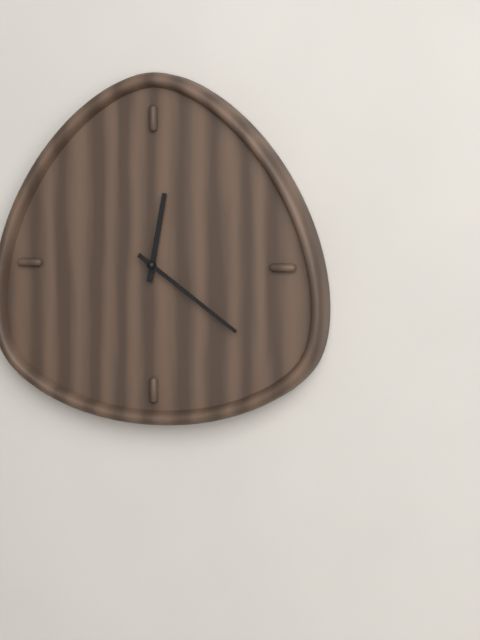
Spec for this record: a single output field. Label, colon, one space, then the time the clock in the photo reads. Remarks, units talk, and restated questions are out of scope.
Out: 12:21
